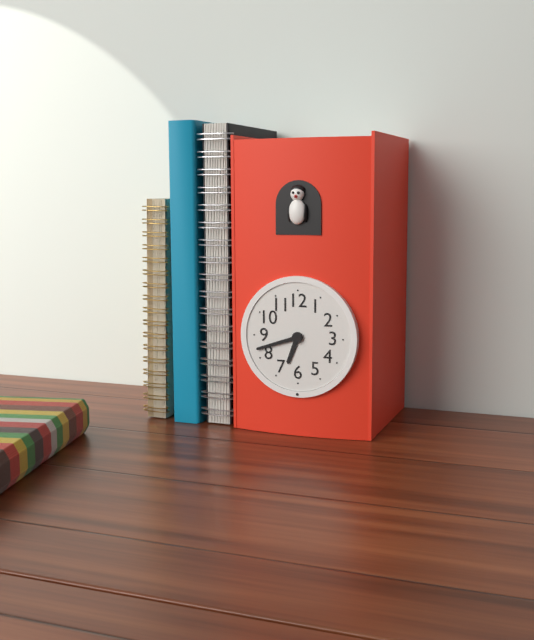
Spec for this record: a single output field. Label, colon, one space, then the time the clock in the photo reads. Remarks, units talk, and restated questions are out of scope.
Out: 6:42
